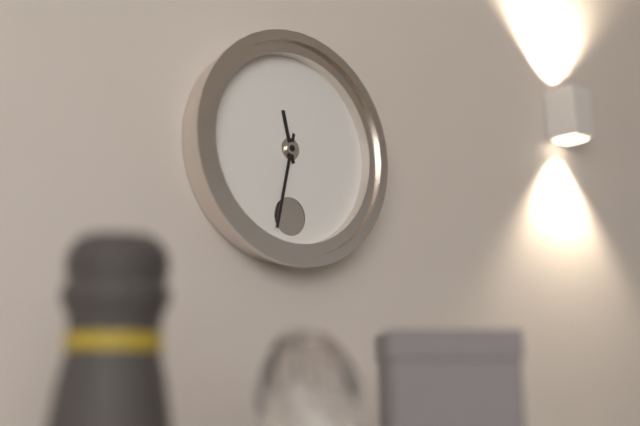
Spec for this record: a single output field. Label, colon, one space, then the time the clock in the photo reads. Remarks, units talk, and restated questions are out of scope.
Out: 11:32
